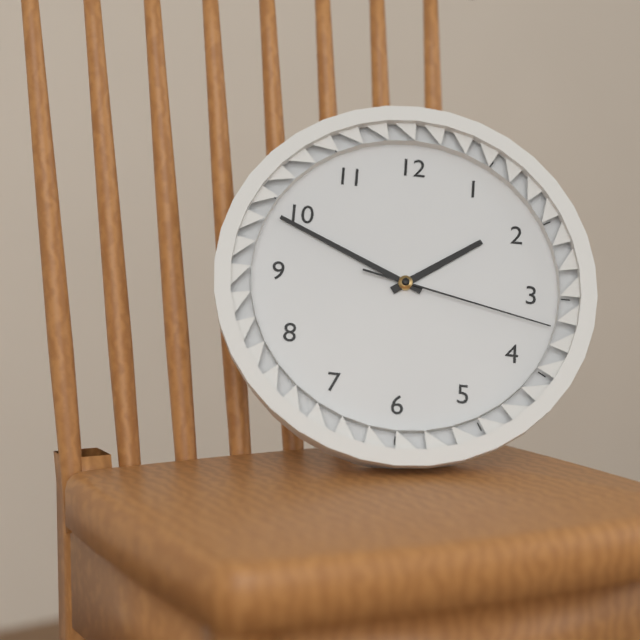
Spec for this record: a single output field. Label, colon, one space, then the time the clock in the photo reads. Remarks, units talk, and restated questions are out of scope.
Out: 1:49:17
